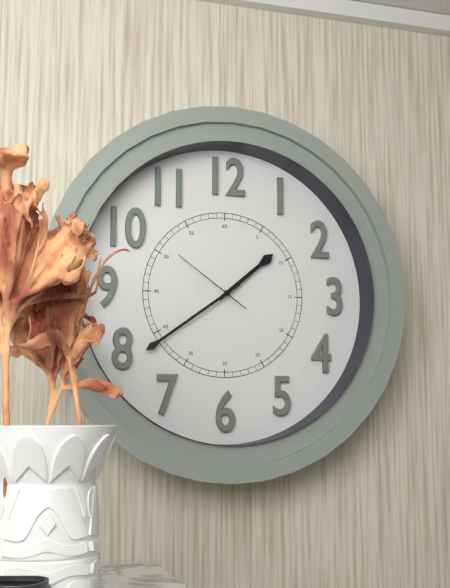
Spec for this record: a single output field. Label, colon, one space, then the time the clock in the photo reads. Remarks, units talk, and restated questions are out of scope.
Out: 1:39:51
